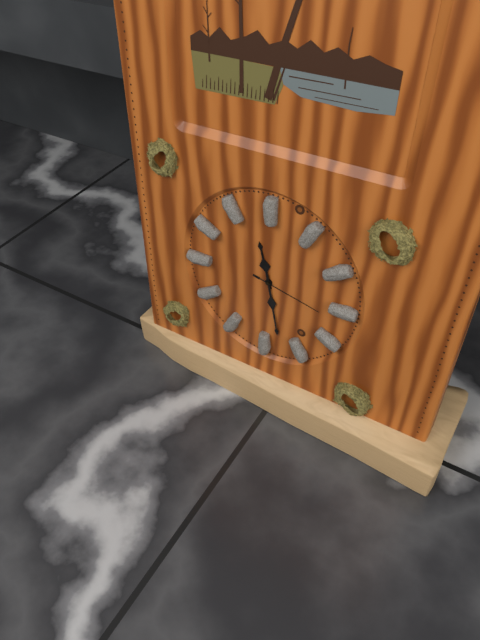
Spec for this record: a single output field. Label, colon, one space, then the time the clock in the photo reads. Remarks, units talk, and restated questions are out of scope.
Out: 11:28:17
